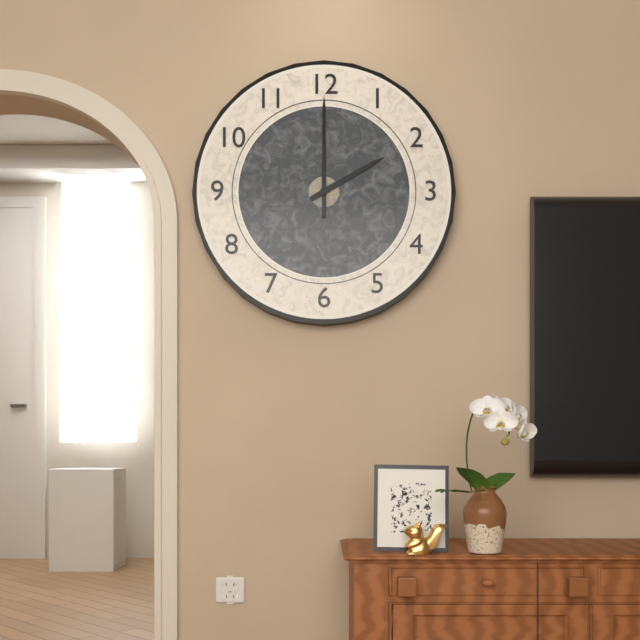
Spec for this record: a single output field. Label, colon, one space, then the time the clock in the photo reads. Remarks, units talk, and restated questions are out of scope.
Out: 2:00
